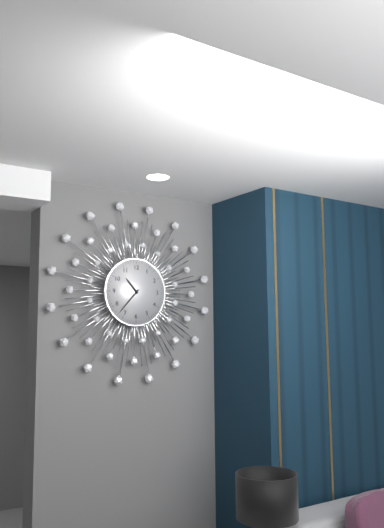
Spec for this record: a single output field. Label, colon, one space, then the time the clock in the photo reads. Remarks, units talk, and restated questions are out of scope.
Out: 10:37
